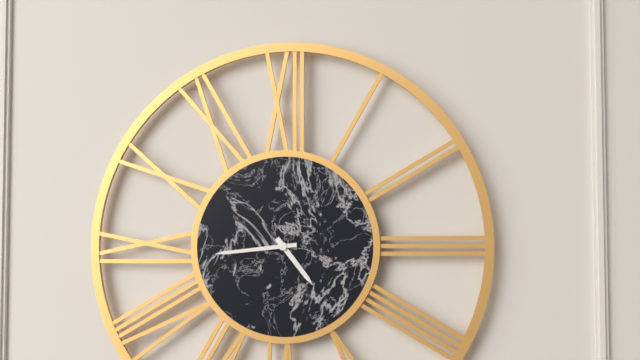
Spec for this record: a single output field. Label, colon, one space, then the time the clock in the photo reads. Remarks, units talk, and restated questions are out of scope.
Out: 4:44
